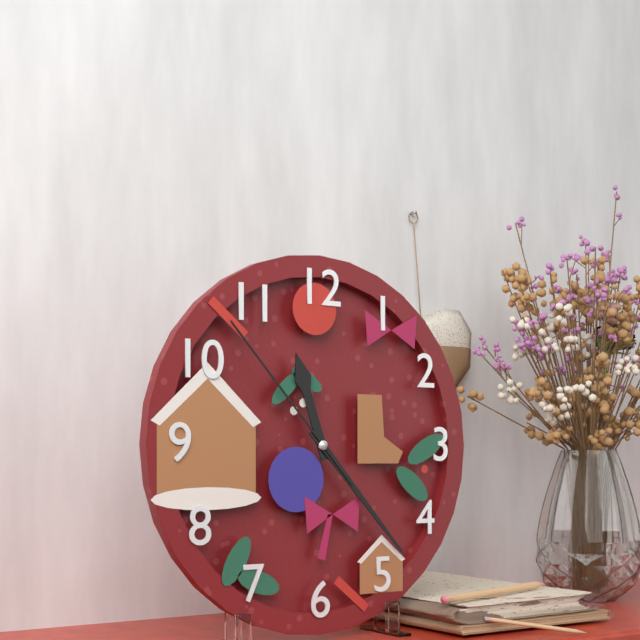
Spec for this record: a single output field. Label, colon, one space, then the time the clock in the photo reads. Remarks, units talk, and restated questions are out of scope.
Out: 11:23:53
